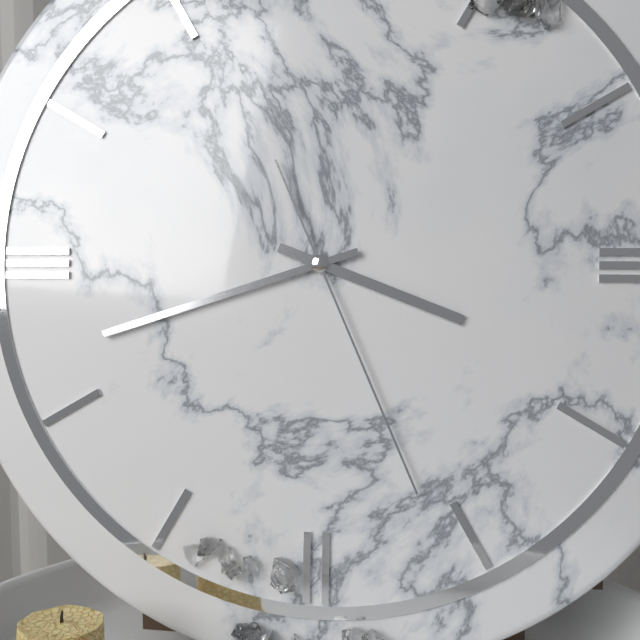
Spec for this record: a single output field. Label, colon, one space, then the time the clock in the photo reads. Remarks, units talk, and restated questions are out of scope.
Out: 3:42:26
